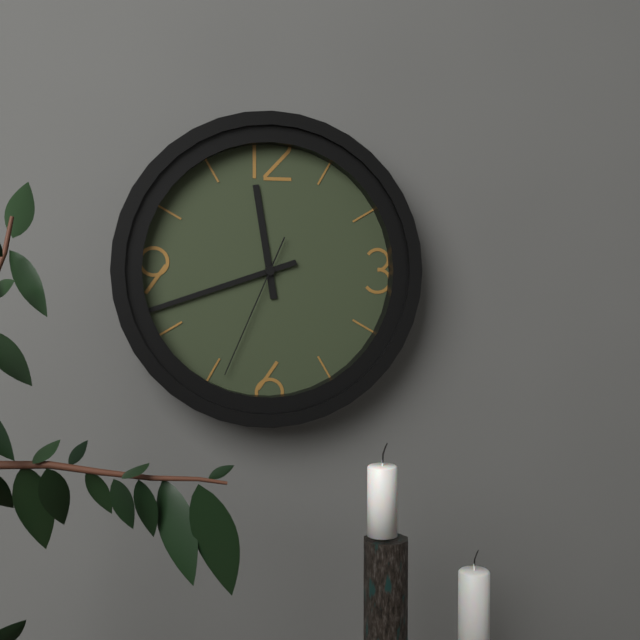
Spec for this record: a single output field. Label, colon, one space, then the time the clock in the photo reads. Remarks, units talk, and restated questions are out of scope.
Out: 11:42:34
